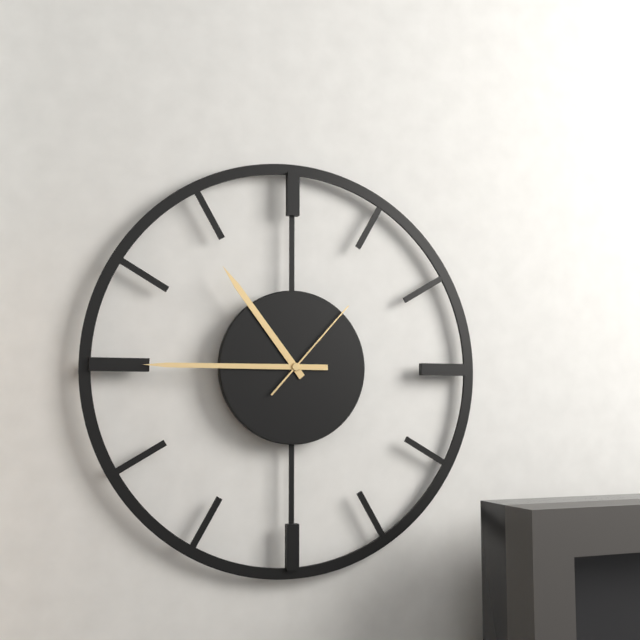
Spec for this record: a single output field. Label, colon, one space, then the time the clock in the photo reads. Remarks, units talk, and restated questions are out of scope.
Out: 10:45:07
